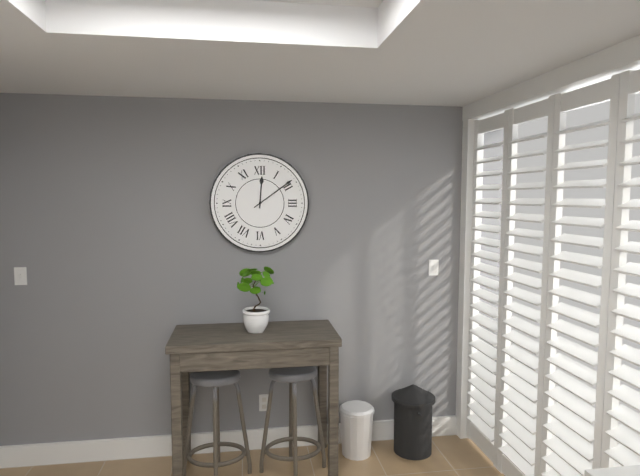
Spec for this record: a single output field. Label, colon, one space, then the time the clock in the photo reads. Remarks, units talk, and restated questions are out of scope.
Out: 12:09
